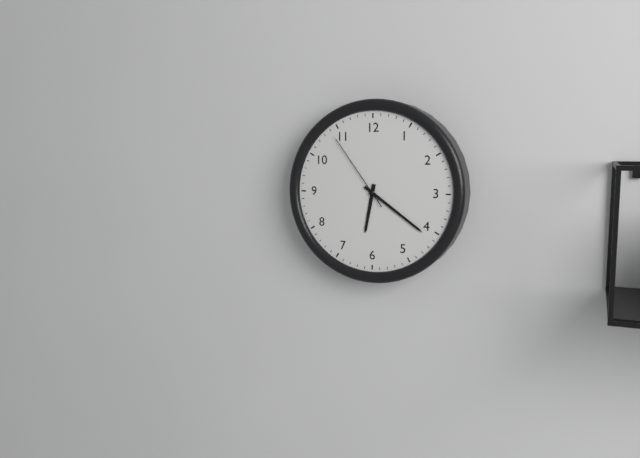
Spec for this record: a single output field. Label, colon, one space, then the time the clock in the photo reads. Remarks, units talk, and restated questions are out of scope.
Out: 6:21:54
